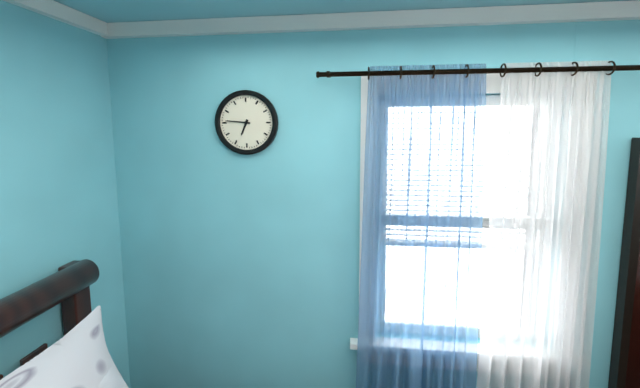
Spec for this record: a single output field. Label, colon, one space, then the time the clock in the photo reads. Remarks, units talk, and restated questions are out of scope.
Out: 6:46
